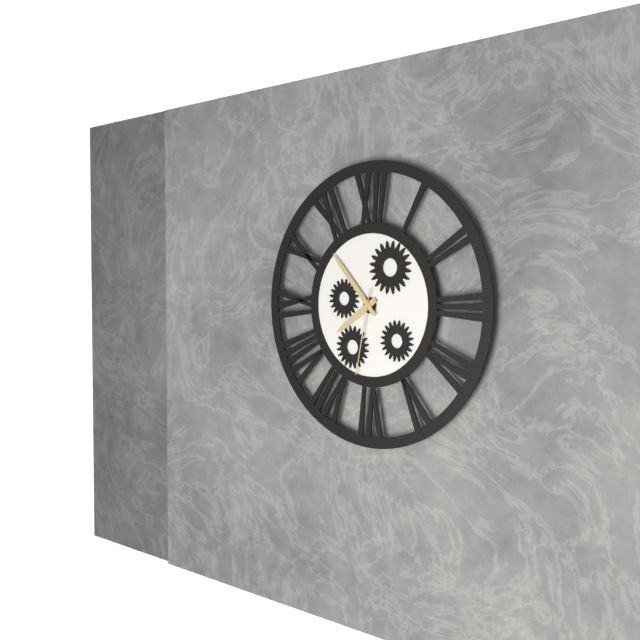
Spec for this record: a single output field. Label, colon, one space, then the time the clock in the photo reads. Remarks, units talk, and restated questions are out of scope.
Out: 7:53:32
